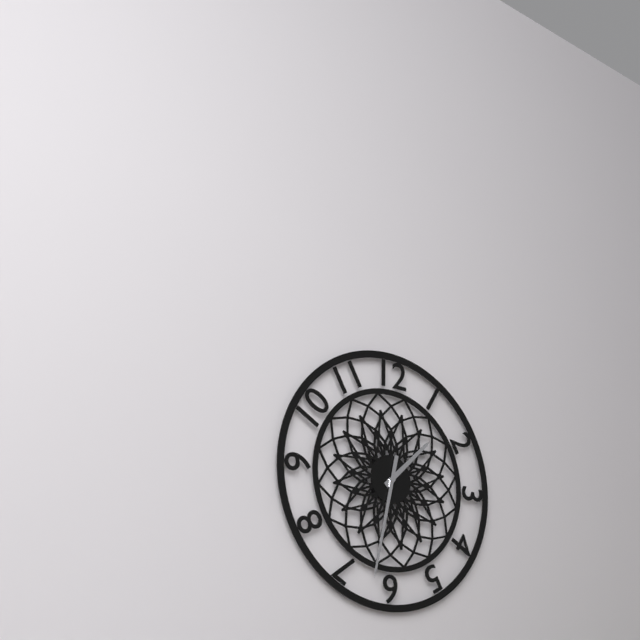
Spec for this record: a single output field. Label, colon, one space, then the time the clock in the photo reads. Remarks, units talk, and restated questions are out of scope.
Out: 1:32
